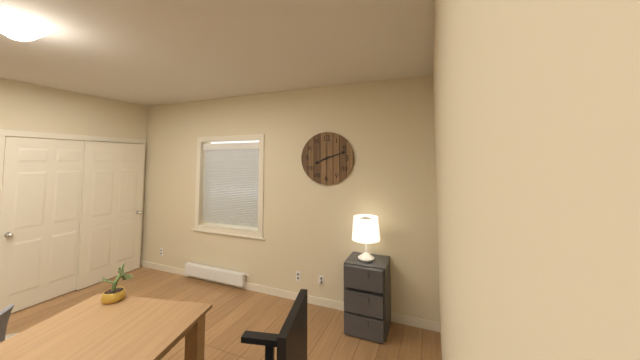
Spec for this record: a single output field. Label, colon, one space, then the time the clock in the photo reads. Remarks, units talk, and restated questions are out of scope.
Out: 8:12
